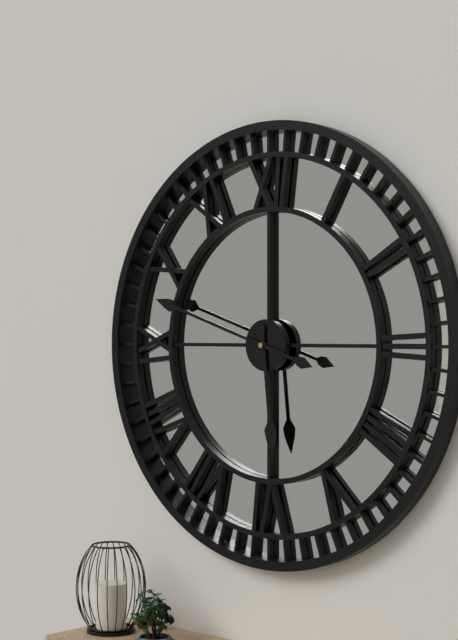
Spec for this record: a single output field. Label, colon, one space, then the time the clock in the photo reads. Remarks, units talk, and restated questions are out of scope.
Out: 5:48
